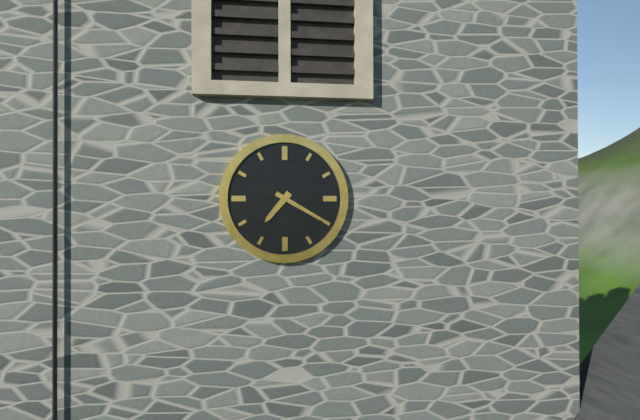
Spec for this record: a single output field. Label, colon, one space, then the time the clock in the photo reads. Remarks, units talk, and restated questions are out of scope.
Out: 7:20
